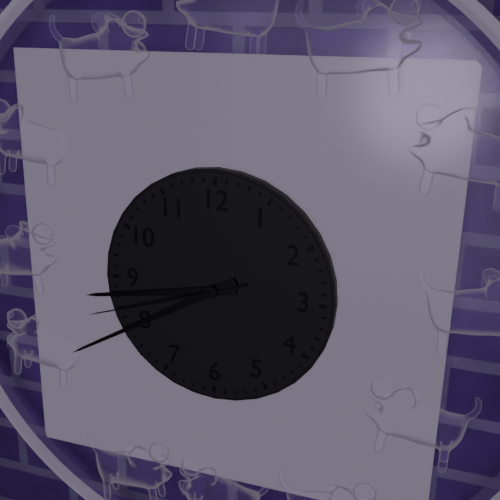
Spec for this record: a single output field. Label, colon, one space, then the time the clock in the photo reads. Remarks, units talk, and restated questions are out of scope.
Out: 8:40:42
